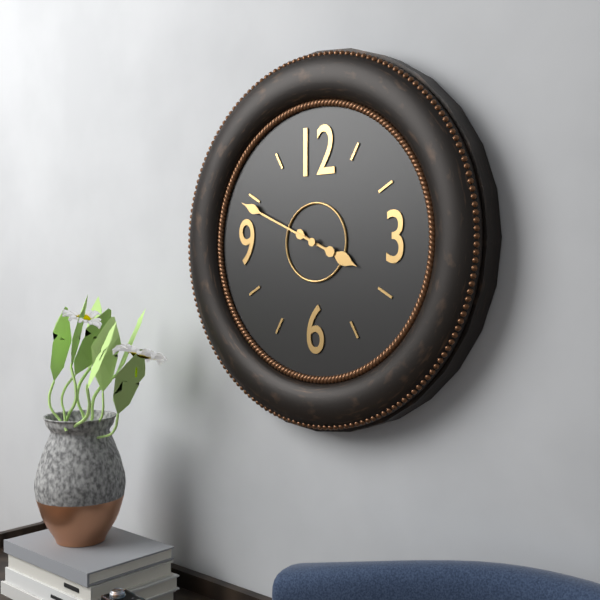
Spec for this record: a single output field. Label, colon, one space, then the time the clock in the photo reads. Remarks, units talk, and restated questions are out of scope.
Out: 3:49
